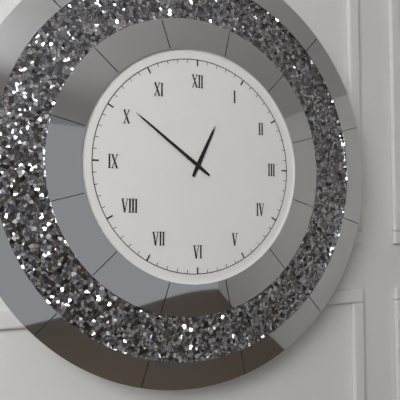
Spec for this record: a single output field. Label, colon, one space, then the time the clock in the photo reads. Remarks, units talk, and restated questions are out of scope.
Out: 12:51
